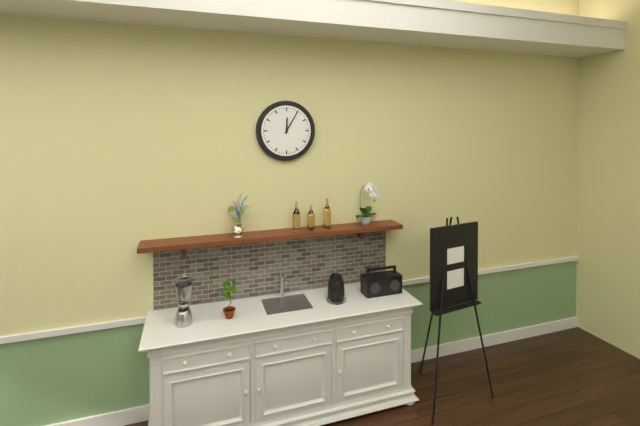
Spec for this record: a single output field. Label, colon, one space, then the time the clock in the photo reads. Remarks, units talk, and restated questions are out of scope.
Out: 12:05
